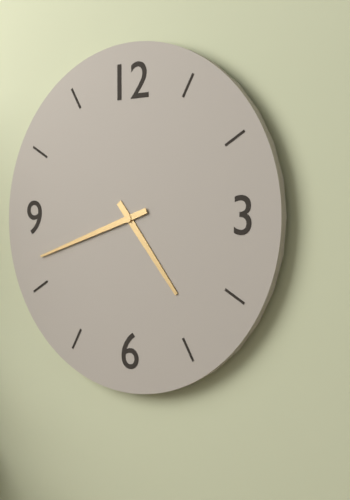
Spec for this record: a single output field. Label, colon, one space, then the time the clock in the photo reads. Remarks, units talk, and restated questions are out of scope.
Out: 4:42
